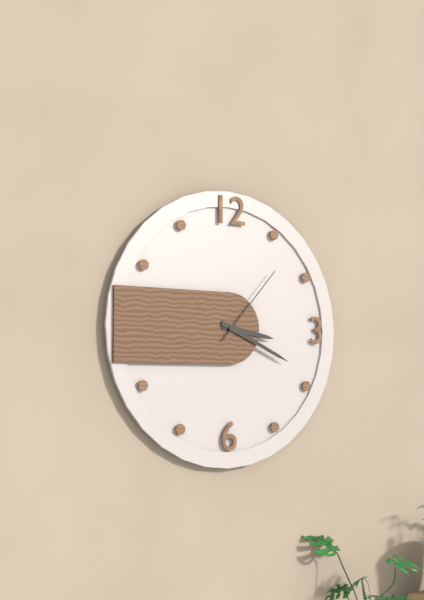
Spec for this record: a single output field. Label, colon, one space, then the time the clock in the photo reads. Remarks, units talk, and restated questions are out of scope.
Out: 3:19:07
